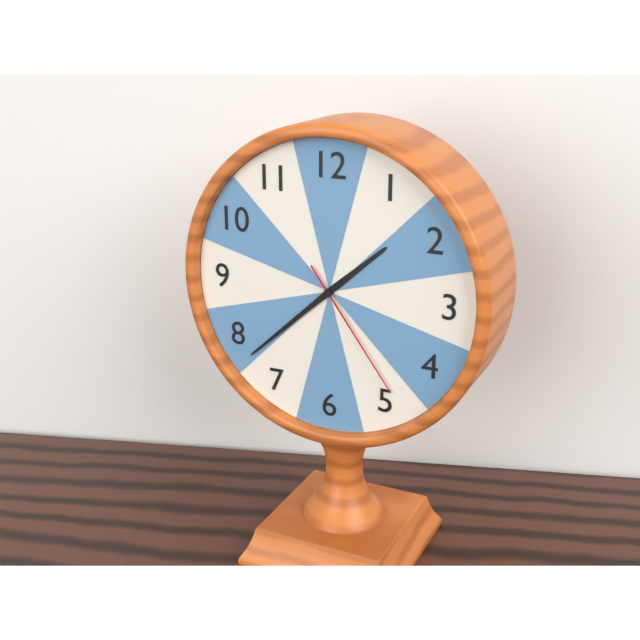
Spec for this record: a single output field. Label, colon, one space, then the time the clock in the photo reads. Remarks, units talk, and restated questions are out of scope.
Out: 1:38:24
